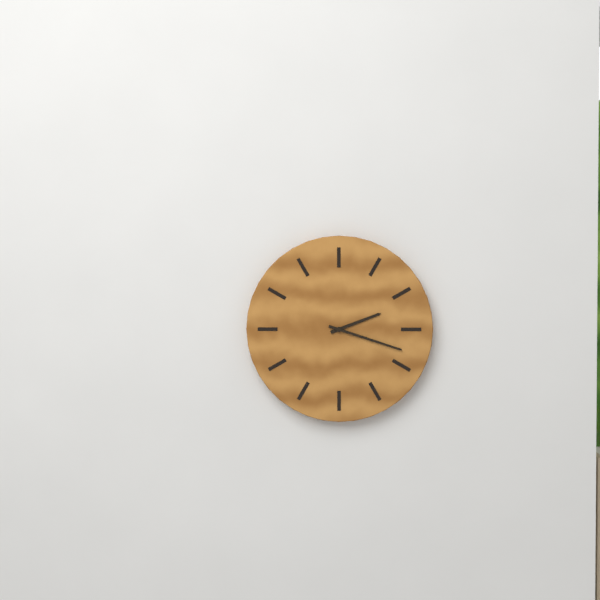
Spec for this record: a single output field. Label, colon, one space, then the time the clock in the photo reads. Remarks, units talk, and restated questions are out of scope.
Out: 2:18
